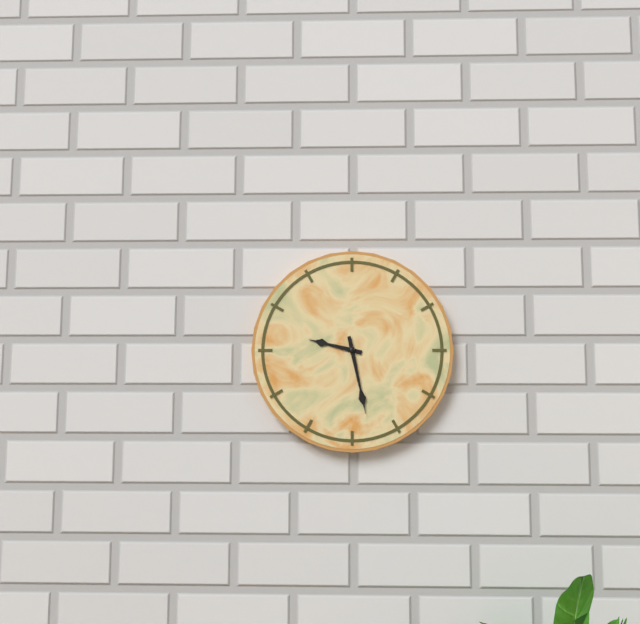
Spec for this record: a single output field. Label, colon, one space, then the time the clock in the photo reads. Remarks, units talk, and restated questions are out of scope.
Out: 9:28
